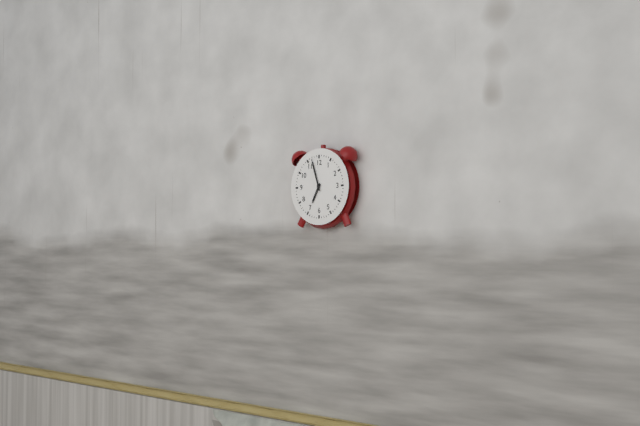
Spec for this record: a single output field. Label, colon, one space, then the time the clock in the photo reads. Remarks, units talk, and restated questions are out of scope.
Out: 6:57
